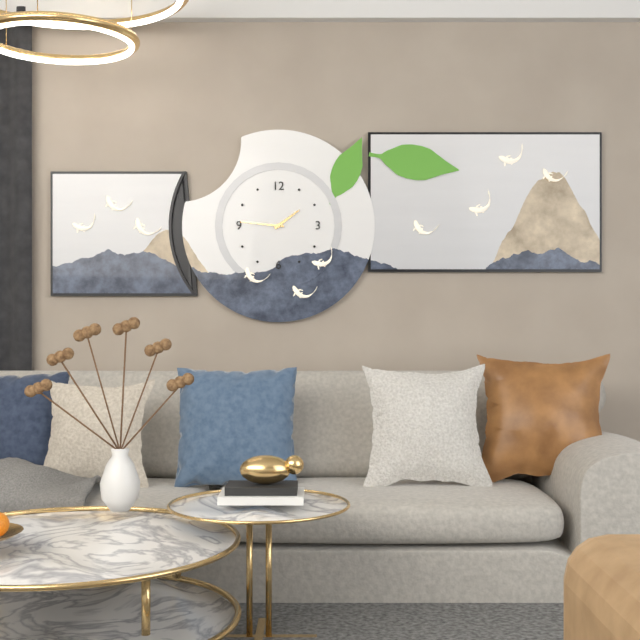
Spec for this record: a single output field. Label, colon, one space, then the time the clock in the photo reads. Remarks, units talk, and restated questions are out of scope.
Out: 1:46
